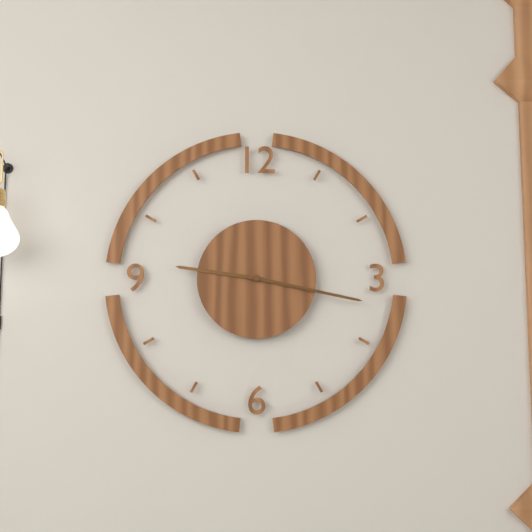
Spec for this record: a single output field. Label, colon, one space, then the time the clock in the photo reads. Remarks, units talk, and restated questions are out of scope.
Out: 9:17
